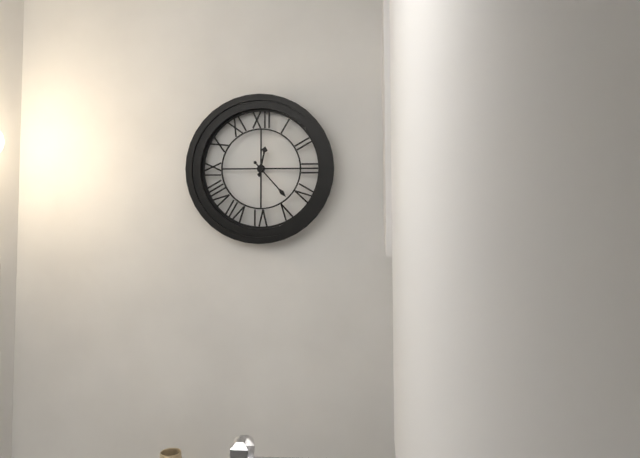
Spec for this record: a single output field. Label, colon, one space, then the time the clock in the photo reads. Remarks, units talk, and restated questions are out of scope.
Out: 12:23
